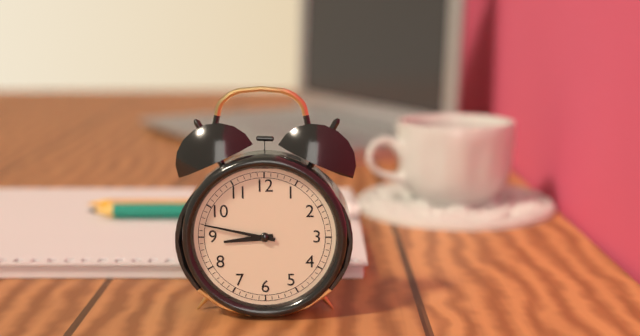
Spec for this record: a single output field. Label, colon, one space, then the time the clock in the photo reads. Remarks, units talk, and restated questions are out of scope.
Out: 8:47
